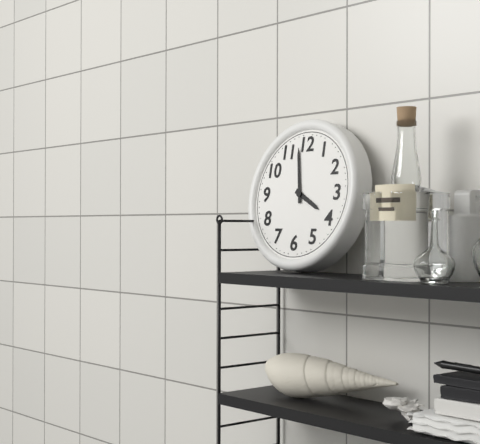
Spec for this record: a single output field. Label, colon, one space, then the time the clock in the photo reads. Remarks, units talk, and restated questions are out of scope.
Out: 3:58
